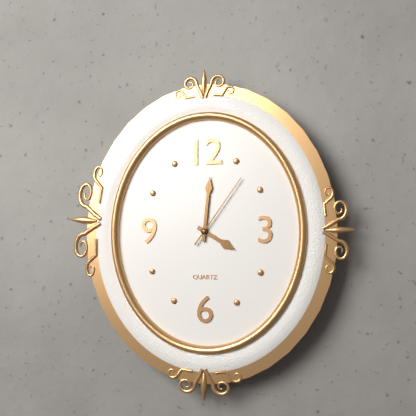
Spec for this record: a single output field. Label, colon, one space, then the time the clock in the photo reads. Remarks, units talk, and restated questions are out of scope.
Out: 4:01:06
